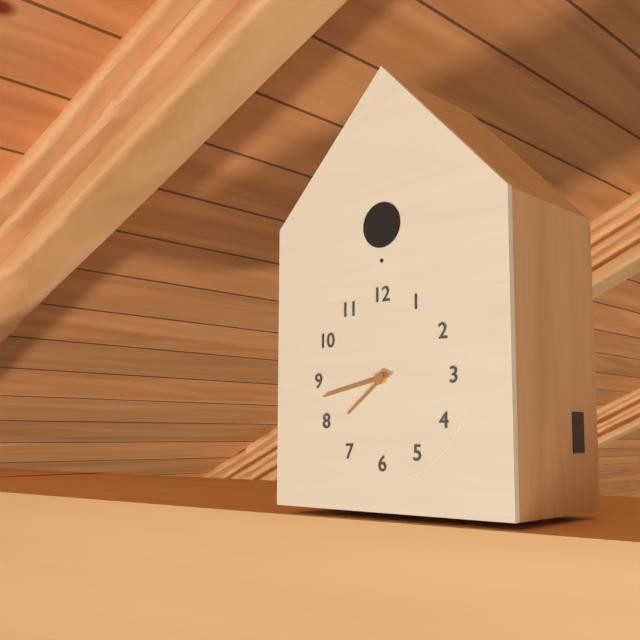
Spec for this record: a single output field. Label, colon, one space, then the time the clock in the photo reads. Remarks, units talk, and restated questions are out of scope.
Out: 7:43
